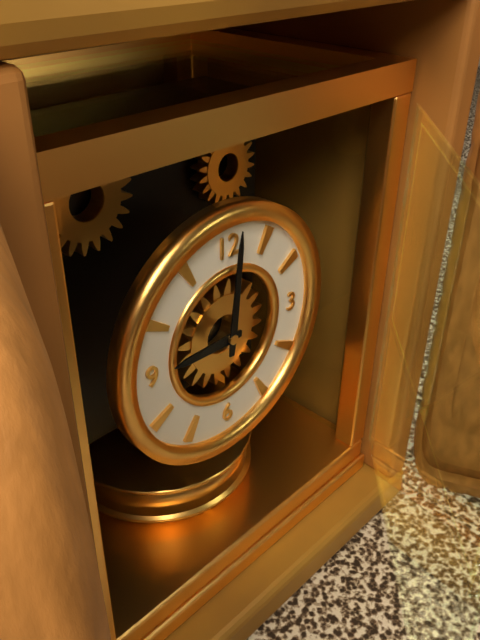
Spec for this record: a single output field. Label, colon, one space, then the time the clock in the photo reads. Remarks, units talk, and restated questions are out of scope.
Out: 9:01
